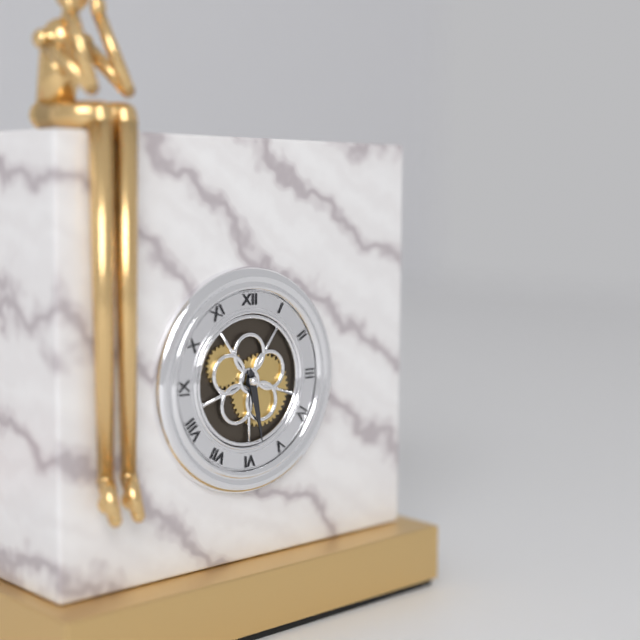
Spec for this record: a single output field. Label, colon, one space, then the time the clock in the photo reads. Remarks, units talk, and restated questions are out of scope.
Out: 5:28
